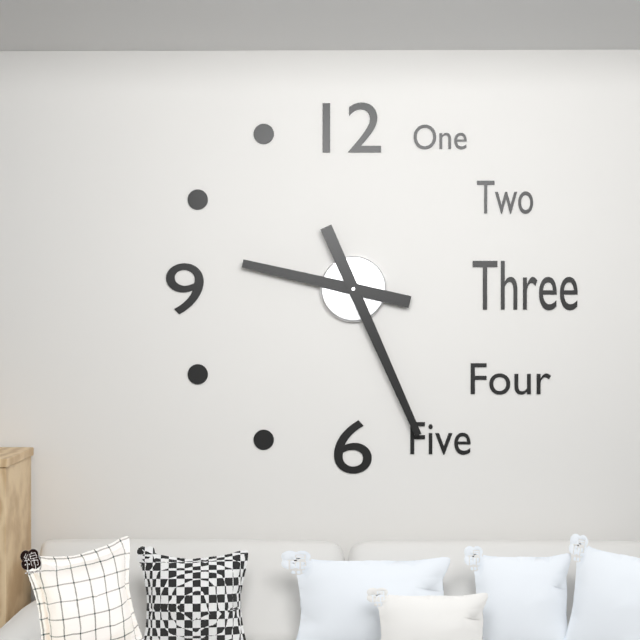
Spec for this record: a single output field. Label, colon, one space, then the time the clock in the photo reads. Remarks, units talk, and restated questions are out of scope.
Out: 9:26
